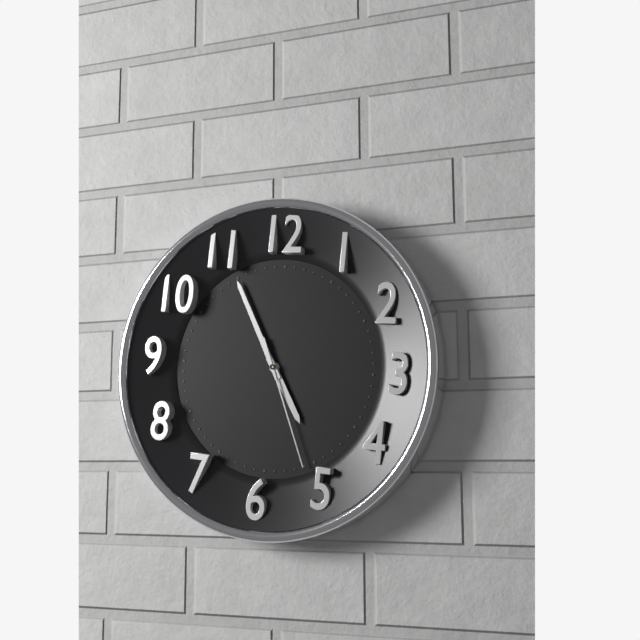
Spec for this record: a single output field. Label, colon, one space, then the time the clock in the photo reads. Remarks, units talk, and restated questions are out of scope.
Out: 4:55:26
